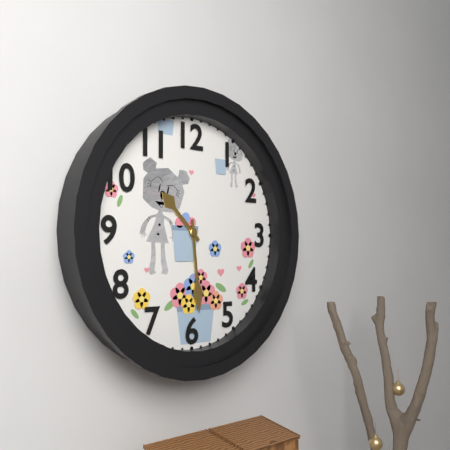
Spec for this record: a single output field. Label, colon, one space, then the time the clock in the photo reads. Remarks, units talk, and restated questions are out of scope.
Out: 10:29
